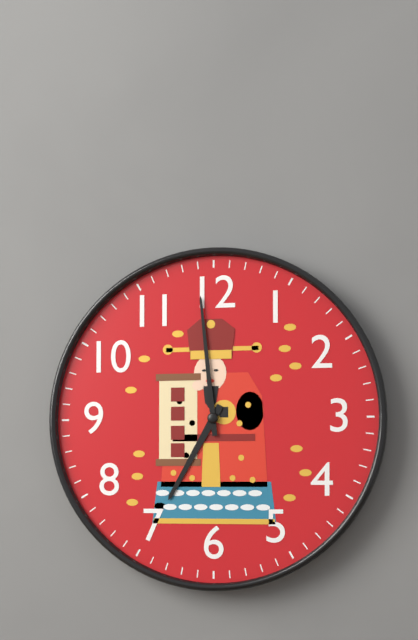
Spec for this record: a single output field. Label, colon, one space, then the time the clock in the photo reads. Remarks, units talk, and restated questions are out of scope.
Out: 6:59
